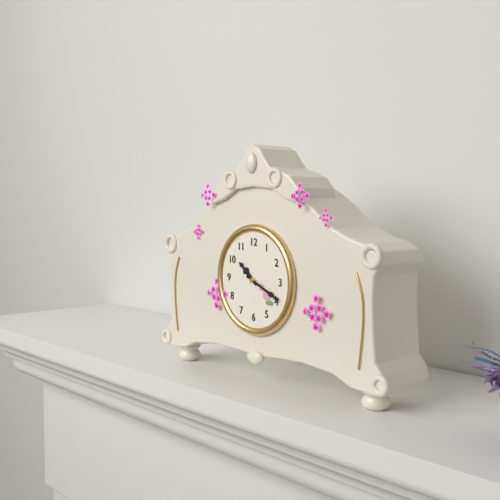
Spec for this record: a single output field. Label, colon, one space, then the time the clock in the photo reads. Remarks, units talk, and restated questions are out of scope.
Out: 10:19
